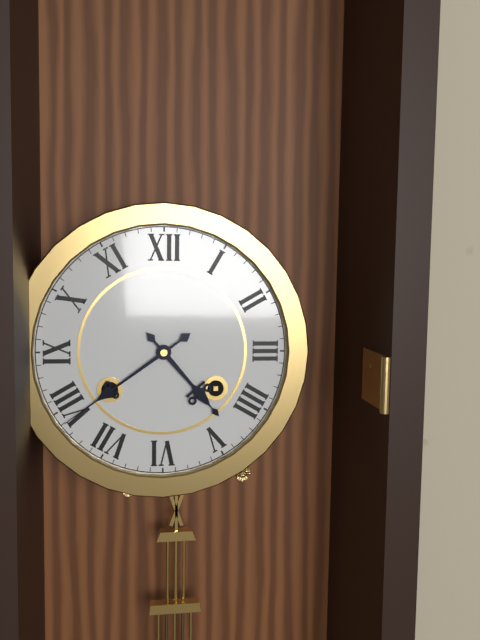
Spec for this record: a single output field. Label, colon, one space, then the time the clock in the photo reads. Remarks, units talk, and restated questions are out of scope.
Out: 4:39
